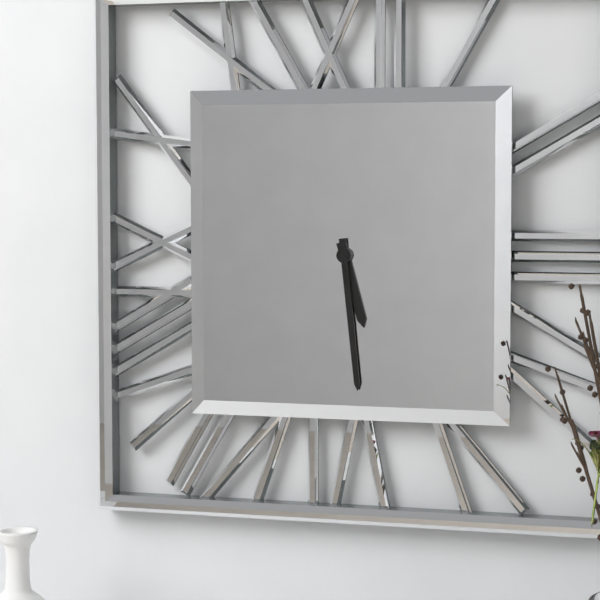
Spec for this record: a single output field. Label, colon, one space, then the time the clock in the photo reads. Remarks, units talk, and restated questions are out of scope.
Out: 5:29
